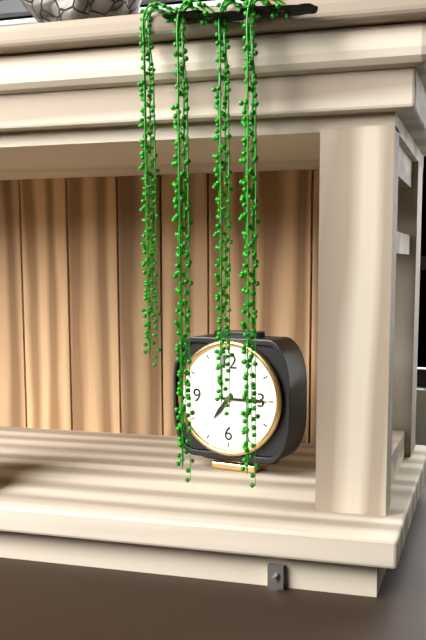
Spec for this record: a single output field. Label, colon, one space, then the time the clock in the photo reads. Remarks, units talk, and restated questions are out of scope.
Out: 7:15
